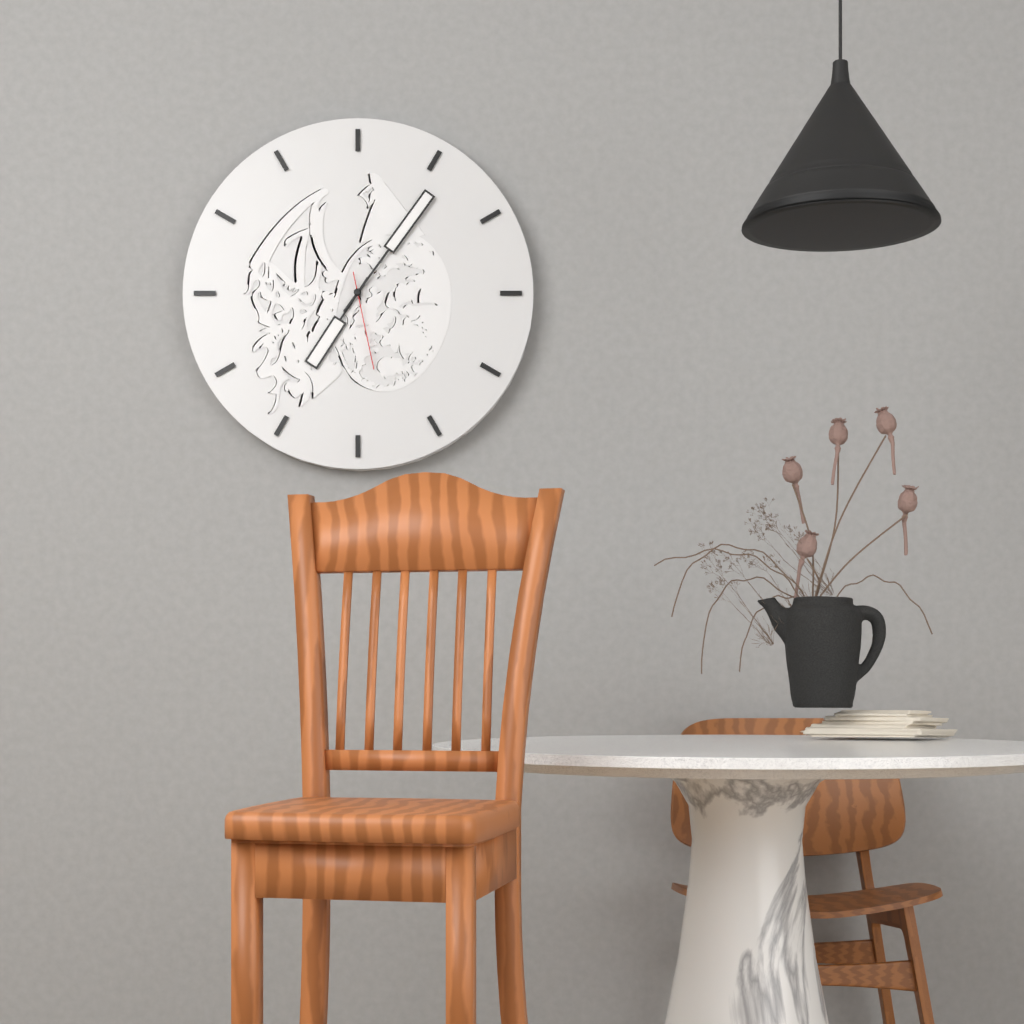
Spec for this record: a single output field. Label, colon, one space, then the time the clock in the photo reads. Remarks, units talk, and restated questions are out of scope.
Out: 7:06:28
